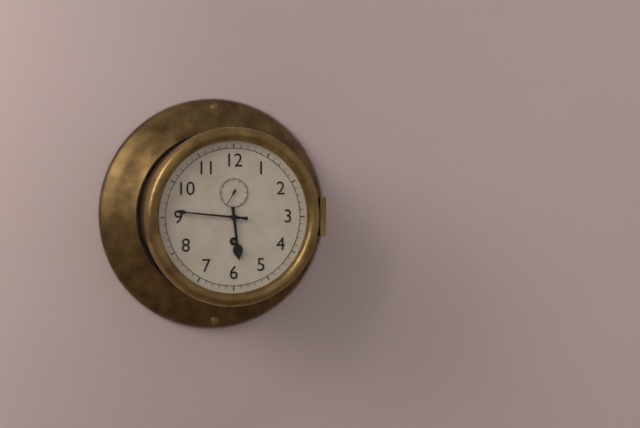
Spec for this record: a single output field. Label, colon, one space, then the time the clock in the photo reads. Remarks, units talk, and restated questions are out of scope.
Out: 5:46
